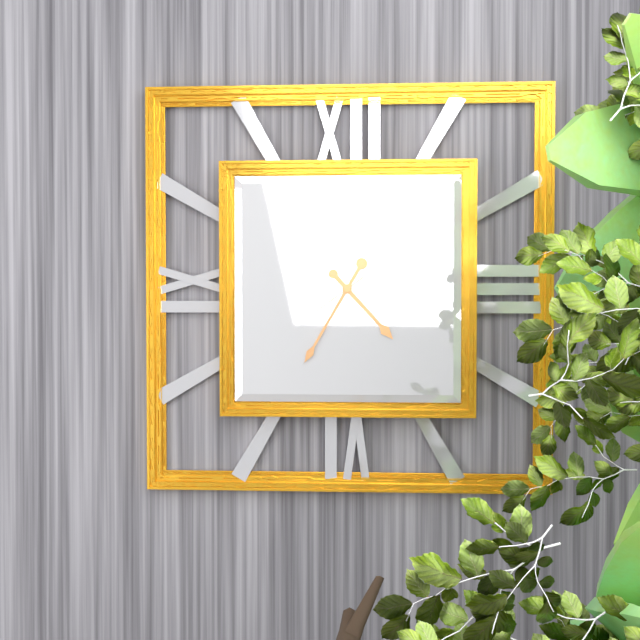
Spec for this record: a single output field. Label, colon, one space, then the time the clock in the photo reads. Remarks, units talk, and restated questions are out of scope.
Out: 4:35:39
